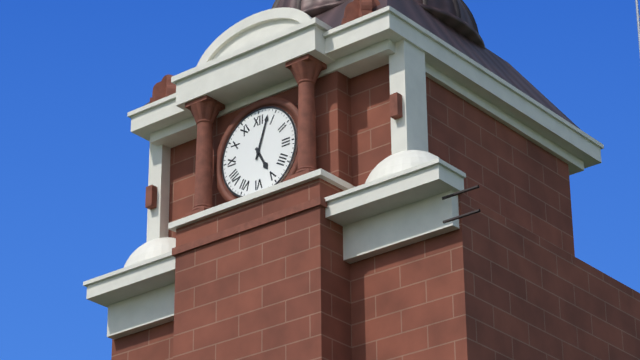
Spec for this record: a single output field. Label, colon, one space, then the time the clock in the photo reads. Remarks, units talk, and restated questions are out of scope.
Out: 5:03
